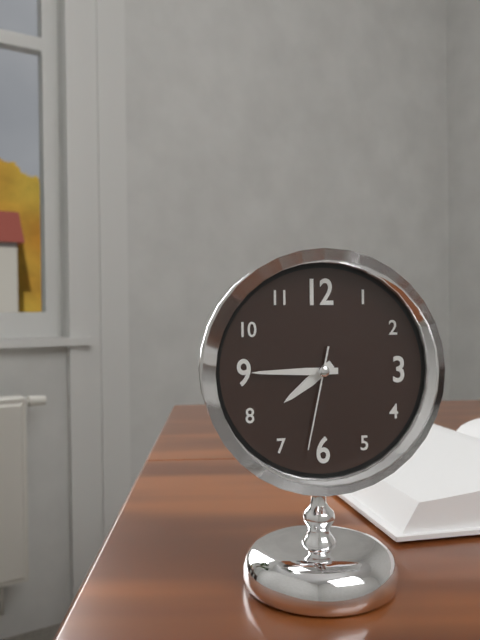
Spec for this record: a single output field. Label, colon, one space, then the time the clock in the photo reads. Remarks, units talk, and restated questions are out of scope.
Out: 7:45:32
